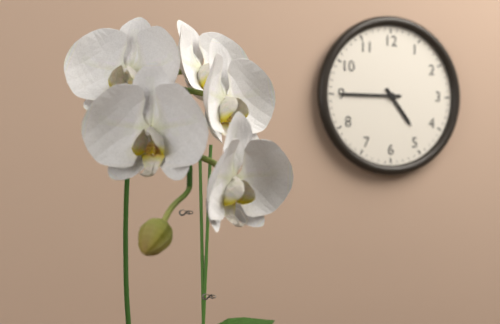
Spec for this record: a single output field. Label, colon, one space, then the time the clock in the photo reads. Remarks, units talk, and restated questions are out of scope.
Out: 4:45
